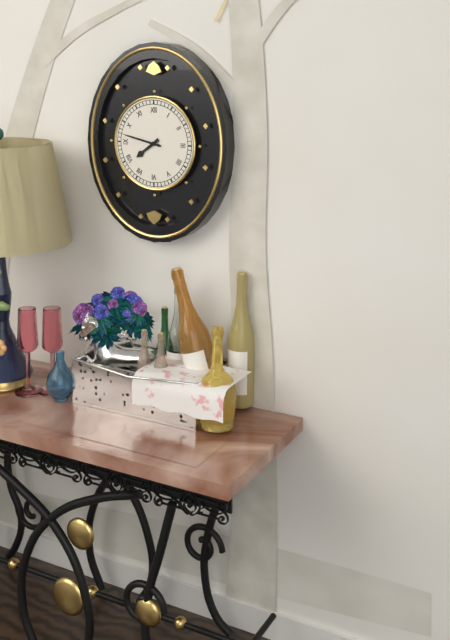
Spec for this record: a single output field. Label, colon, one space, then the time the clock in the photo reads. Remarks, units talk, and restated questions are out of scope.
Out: 7:47
